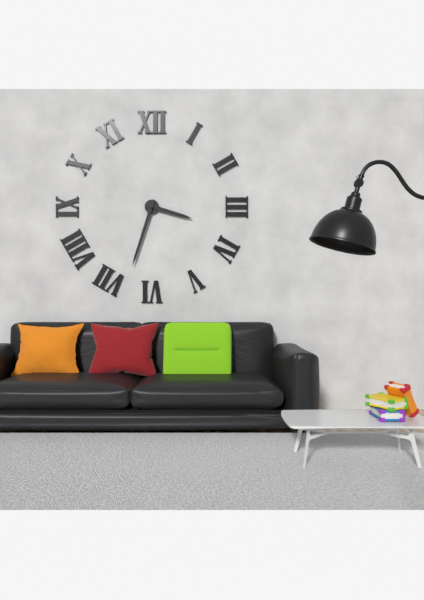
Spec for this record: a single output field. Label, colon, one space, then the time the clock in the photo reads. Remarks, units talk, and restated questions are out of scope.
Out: 3:33
